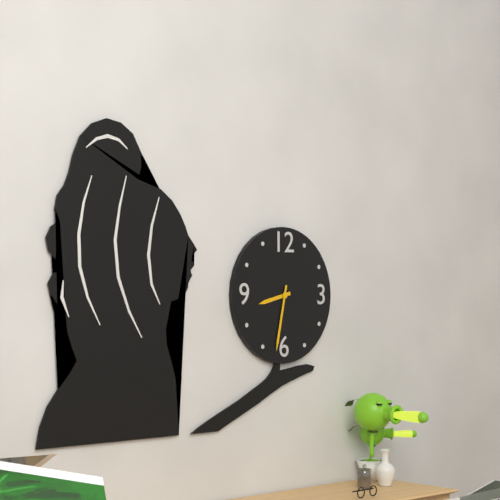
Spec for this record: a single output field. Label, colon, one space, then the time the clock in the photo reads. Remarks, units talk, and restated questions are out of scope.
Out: 8:32
